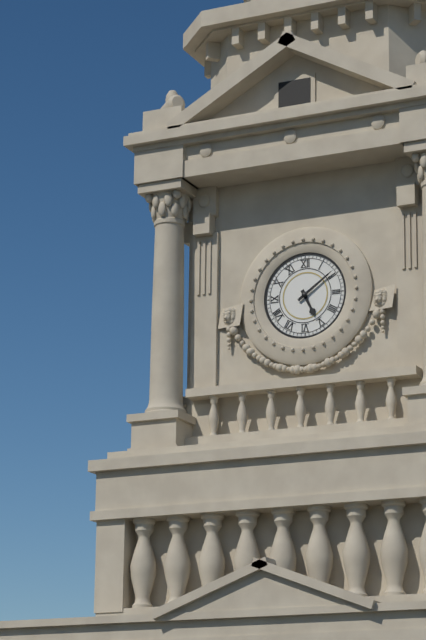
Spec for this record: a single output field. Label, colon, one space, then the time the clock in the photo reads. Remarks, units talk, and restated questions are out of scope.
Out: 5:09
